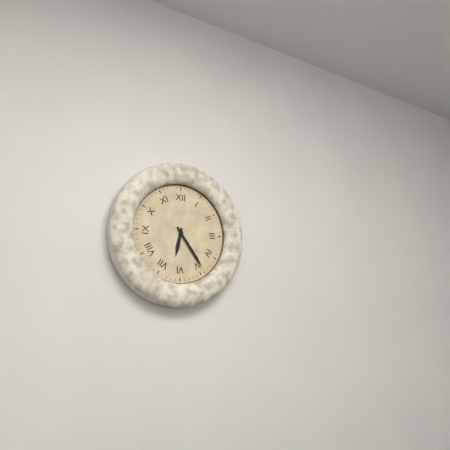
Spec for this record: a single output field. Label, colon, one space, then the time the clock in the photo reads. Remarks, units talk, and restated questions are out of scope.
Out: 6:24
